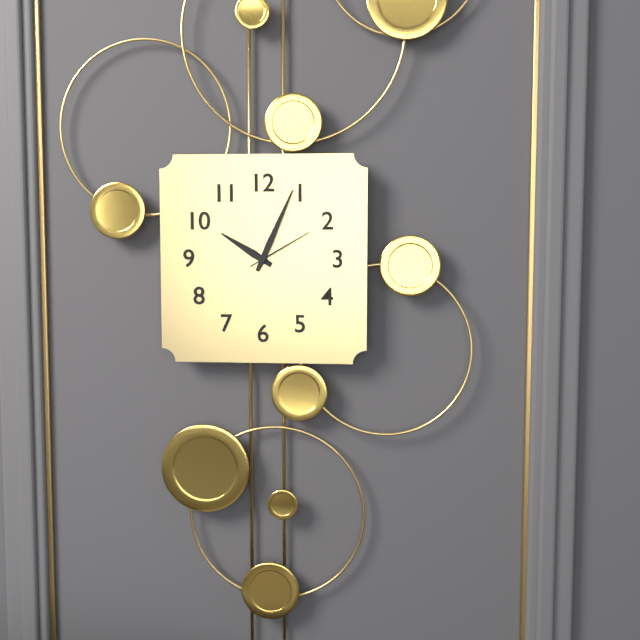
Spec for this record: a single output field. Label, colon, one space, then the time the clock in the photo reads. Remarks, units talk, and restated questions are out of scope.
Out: 10:04:10
